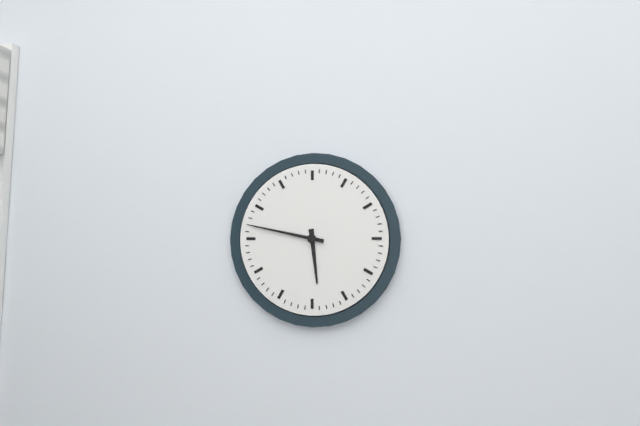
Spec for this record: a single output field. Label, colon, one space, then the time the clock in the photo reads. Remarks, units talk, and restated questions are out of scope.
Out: 5:47
